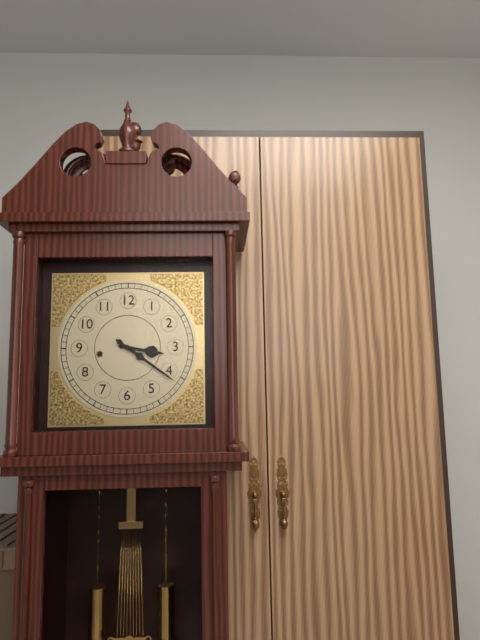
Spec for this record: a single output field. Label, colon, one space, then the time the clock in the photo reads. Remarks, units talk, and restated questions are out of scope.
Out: 3:21
